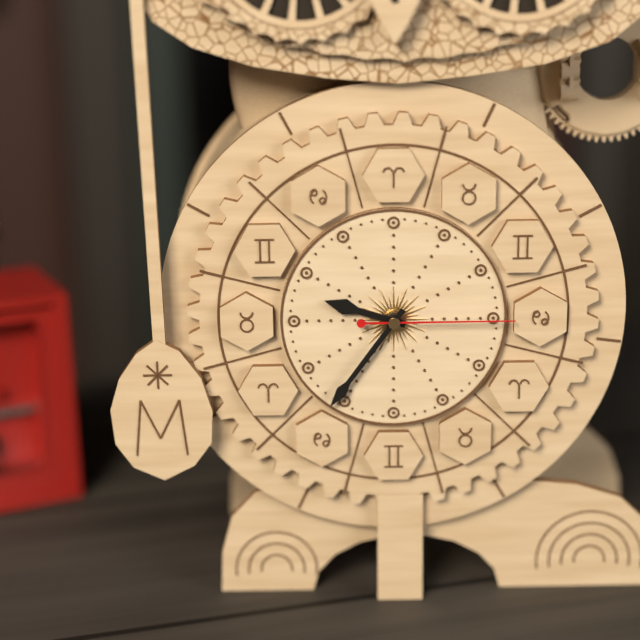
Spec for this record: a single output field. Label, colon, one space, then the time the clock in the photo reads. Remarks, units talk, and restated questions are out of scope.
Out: 9:36:15
